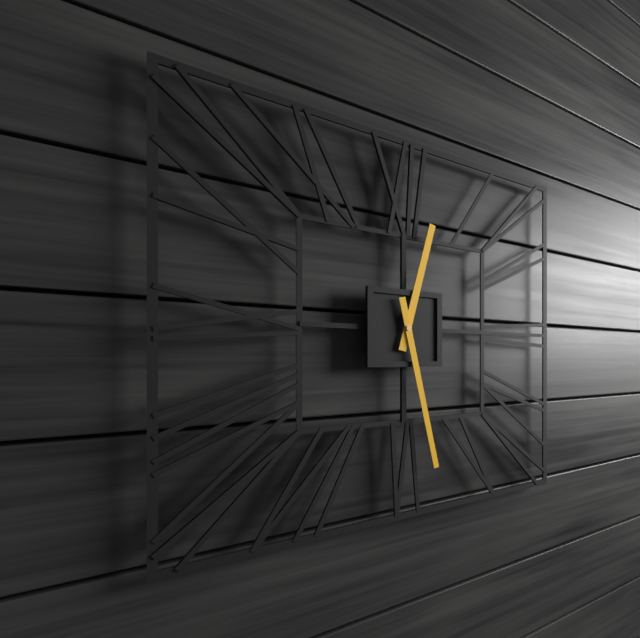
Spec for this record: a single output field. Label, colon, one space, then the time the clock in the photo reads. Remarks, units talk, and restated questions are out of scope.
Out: 12:28
